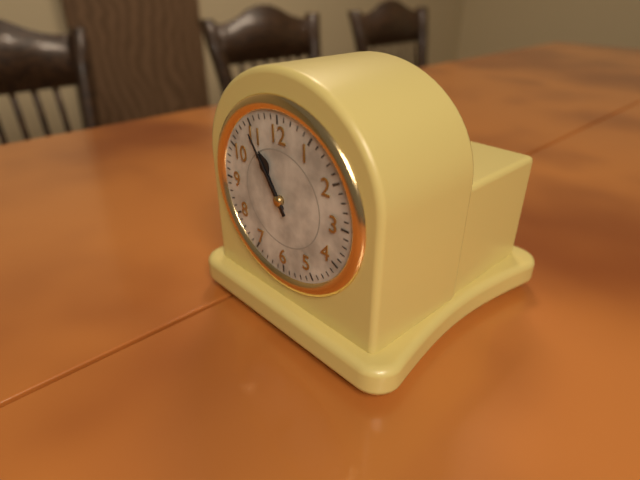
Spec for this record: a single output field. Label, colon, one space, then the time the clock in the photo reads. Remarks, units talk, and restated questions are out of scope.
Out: 10:54
